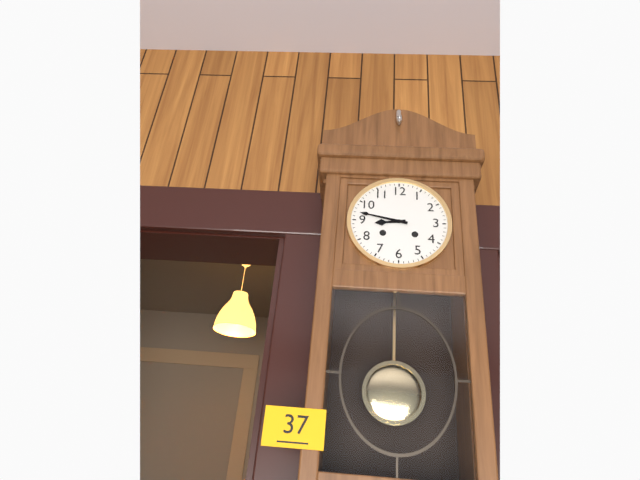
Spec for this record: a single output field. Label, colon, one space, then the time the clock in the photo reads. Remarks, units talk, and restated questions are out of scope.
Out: 8:47
